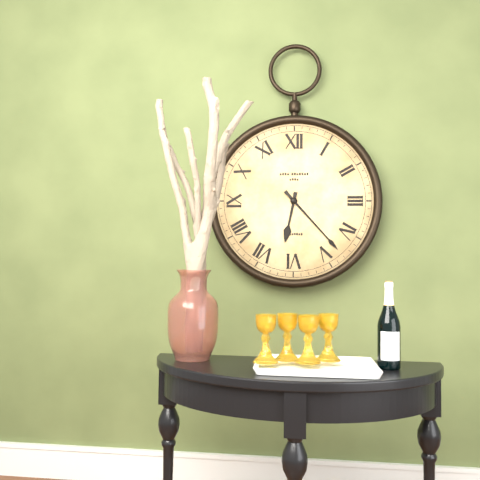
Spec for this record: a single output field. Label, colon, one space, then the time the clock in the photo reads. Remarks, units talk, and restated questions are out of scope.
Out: 6:23
